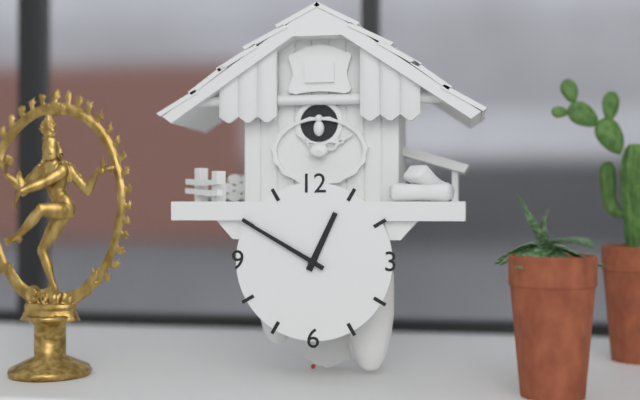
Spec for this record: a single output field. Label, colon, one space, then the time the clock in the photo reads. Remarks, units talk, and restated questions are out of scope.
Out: 12:50
